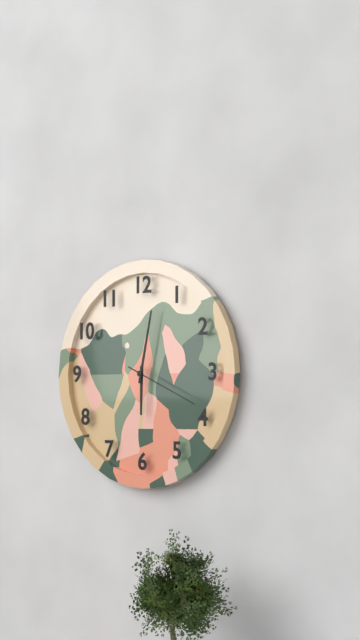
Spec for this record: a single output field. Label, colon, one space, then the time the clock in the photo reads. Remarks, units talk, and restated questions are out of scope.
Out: 6:02:19
